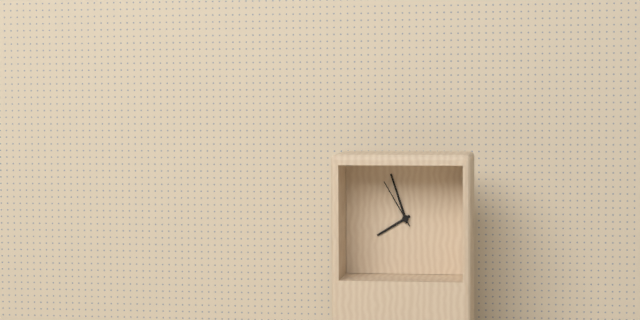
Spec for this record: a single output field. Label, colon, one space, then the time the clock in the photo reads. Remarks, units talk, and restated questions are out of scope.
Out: 7:57:55
